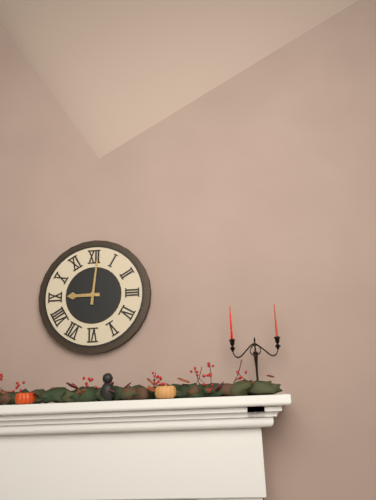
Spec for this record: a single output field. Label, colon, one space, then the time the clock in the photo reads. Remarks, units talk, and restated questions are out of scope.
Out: 9:01
